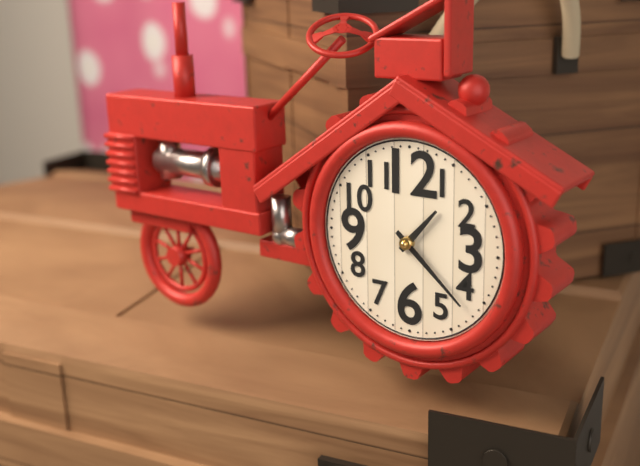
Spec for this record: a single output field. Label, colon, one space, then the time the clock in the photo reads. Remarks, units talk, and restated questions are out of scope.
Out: 1:22
